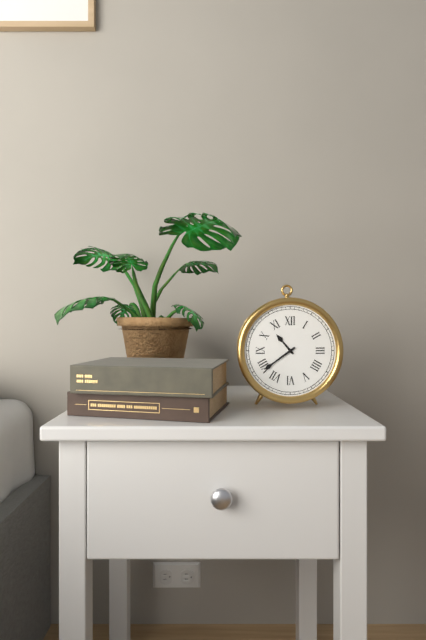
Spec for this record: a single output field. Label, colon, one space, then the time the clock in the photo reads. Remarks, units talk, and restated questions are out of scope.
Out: 10:39
